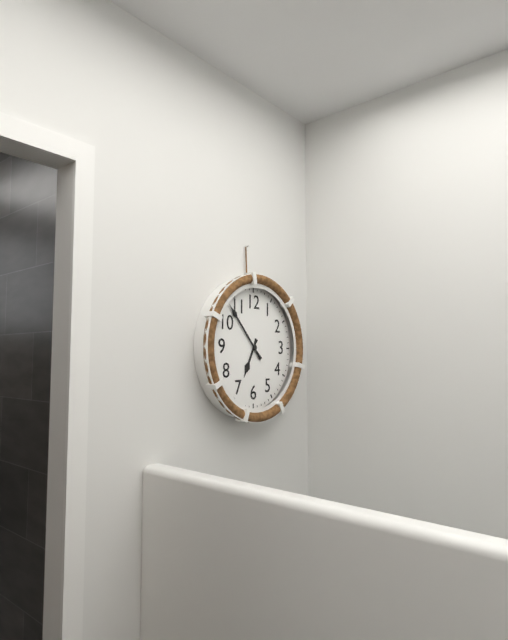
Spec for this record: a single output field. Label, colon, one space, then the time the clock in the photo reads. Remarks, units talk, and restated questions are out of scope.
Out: 6:53
